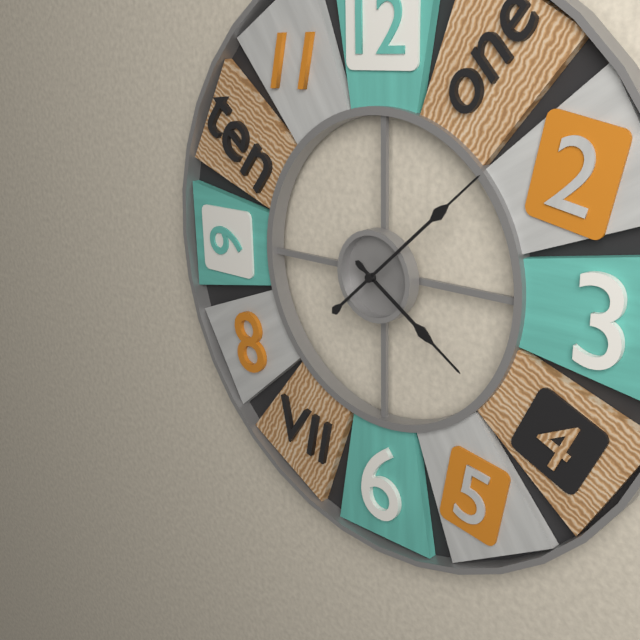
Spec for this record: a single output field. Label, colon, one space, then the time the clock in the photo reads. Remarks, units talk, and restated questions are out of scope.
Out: 4:08
